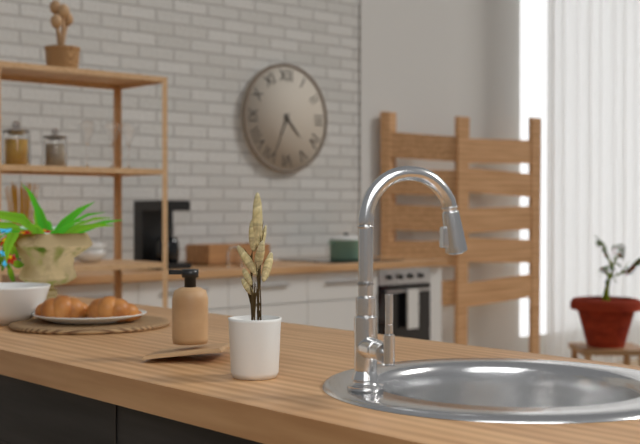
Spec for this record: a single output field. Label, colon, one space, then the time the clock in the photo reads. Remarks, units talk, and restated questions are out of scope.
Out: 4:34
